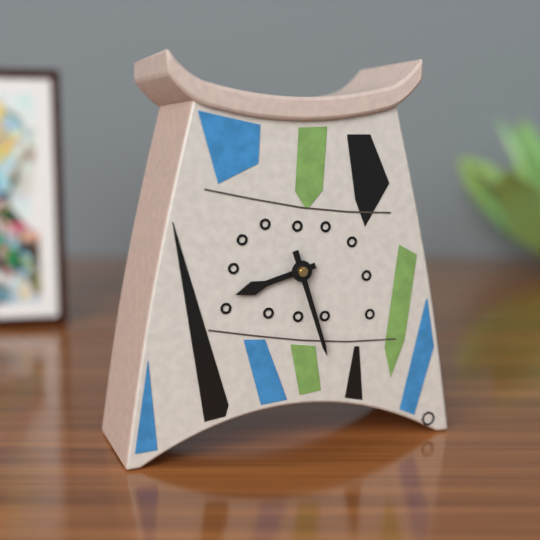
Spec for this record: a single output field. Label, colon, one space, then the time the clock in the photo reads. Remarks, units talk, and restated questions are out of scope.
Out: 8:27
